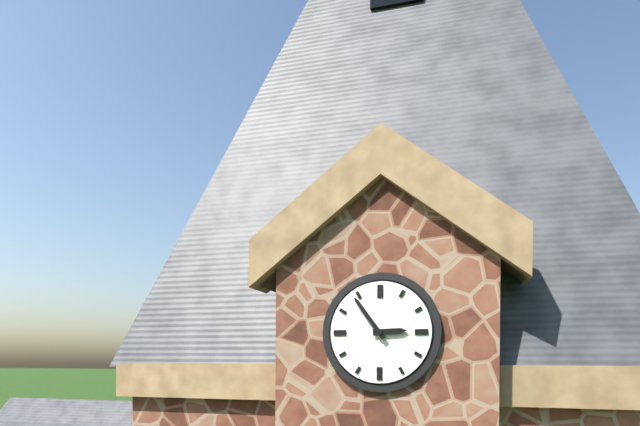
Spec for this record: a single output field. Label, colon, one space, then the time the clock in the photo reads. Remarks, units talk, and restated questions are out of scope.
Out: 2:54
